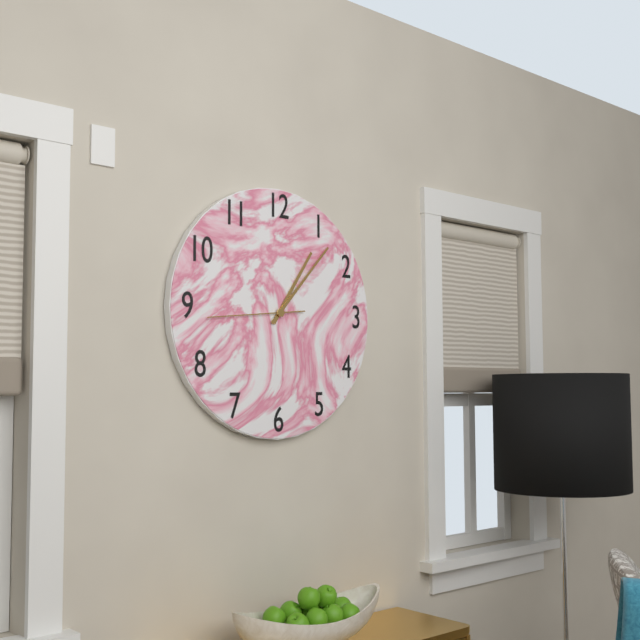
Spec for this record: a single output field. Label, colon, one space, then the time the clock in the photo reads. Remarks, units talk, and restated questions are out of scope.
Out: 1:07:44
